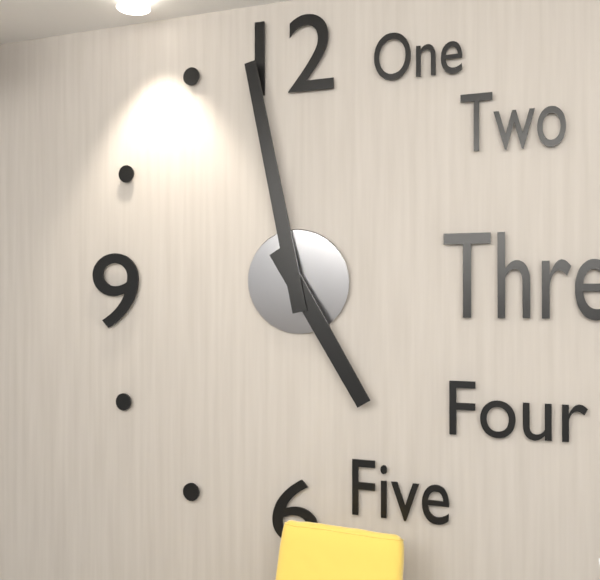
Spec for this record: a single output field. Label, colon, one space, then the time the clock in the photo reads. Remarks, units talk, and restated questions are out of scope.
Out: 4:58
